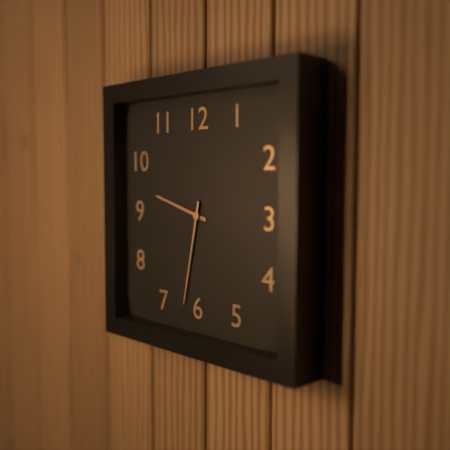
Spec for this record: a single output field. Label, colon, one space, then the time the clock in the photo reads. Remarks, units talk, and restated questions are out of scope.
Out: 9:32
